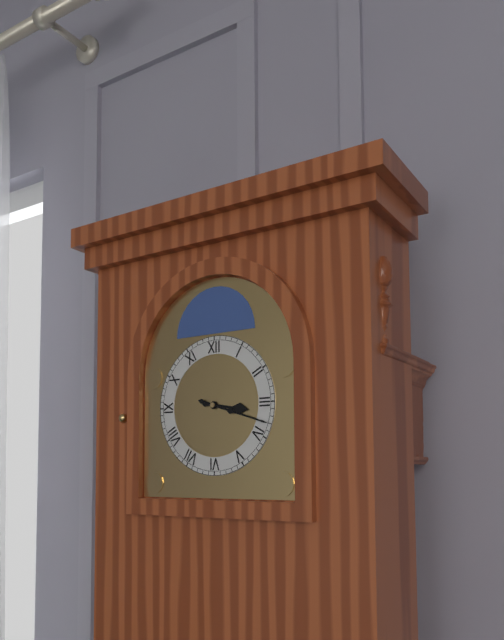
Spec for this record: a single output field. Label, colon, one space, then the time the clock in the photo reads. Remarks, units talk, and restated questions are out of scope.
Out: 3:18
